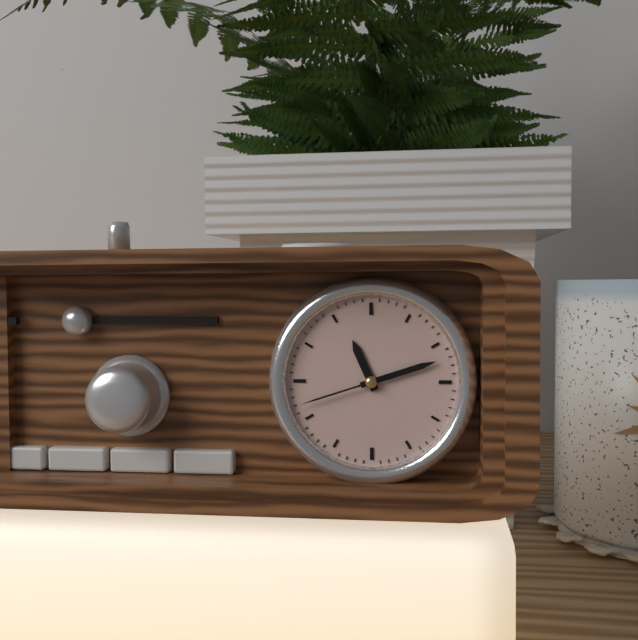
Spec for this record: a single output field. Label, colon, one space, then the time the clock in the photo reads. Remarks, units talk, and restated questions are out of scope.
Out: 11:12:42
